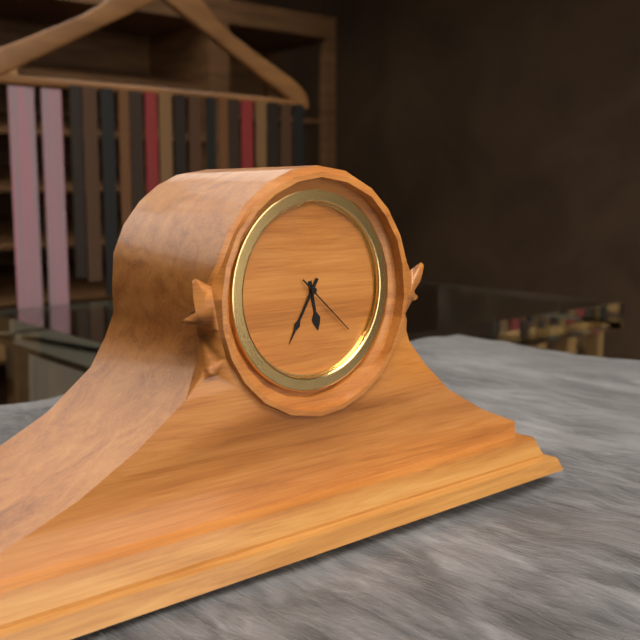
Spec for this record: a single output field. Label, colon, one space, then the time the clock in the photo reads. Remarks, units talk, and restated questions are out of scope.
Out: 5:35:22
